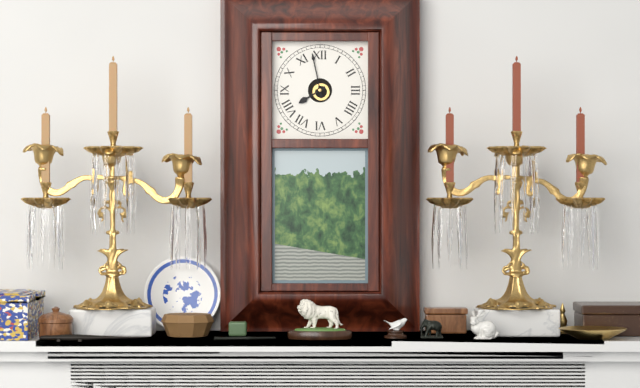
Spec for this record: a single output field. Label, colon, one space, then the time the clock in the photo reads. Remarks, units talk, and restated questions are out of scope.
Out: 7:58
